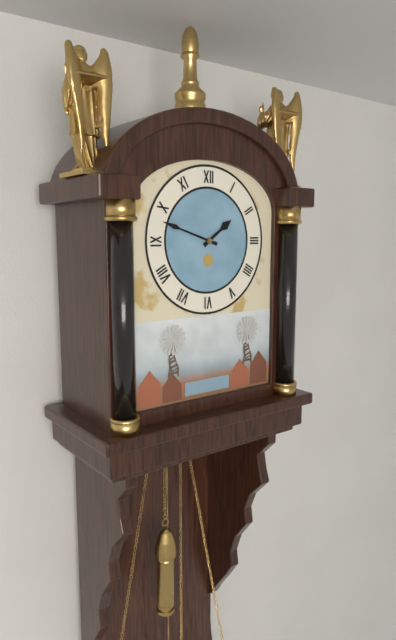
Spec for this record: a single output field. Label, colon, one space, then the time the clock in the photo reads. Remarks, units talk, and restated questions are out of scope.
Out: 1:48
